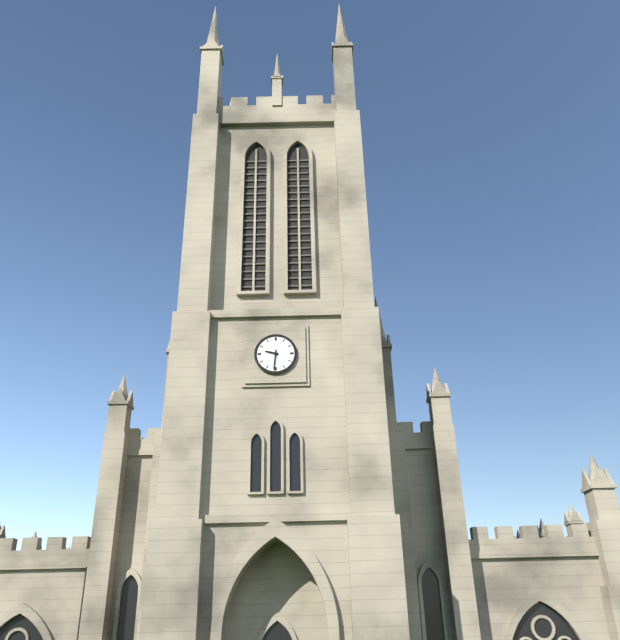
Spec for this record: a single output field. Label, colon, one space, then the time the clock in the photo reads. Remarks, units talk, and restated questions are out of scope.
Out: 9:31
